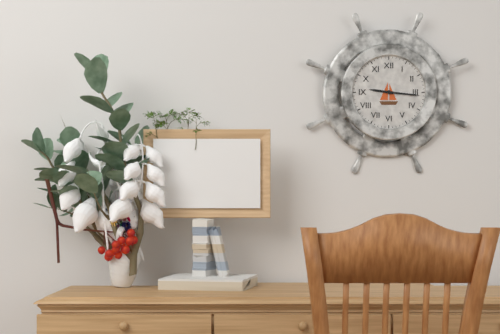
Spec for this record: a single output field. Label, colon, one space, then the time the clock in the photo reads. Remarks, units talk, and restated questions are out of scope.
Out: 9:16
